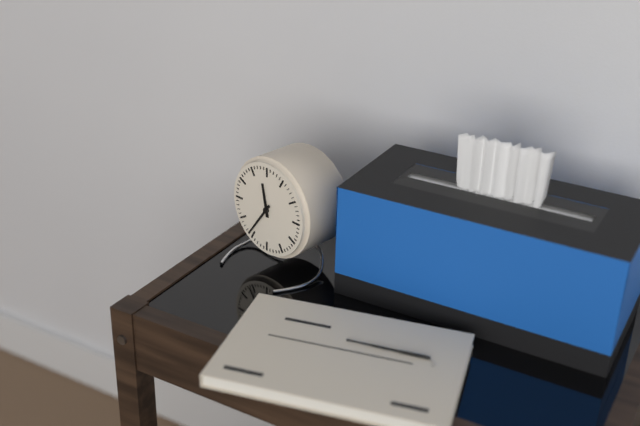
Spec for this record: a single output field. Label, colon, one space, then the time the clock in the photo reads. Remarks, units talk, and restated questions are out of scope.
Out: 11:36
